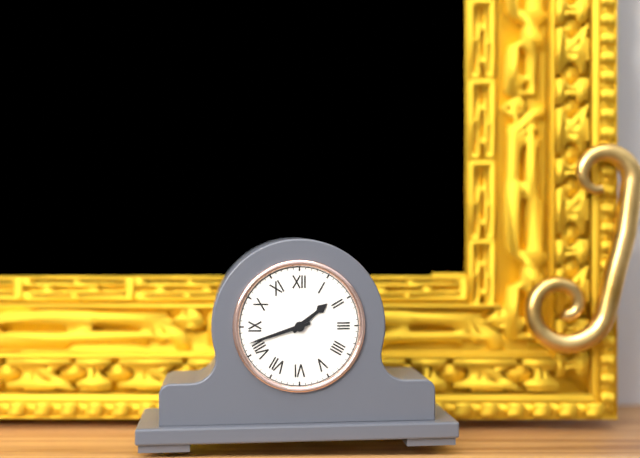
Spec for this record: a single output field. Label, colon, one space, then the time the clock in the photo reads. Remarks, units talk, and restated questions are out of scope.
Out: 1:42
